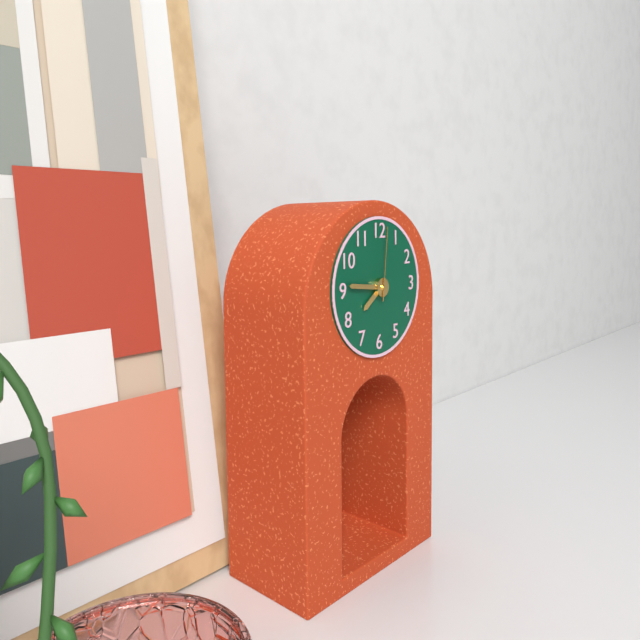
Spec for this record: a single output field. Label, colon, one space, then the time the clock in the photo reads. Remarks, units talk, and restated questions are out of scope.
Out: 7:46:01
